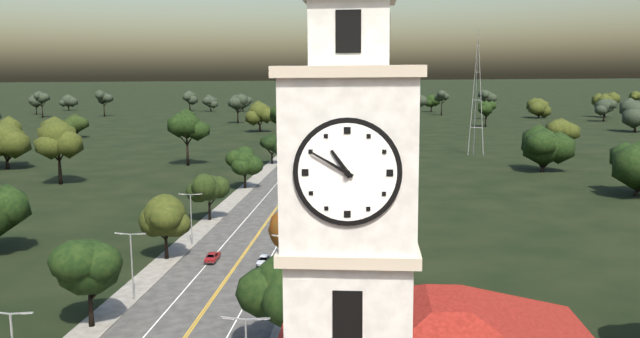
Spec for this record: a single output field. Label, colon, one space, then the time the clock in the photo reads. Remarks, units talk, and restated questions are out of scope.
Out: 10:50
